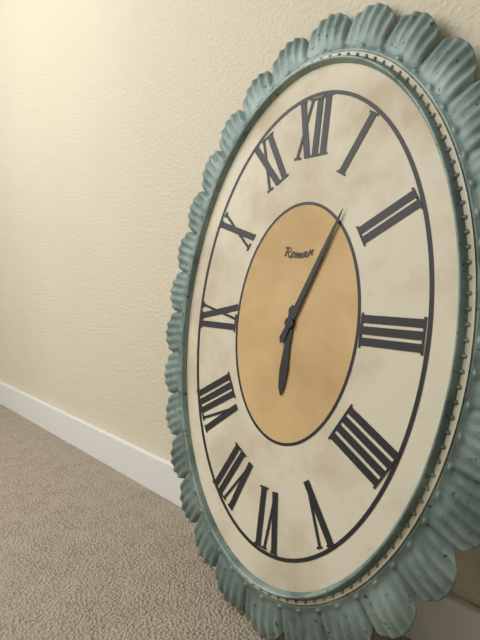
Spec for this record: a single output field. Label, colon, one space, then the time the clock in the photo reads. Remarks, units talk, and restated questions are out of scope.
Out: 6:04
